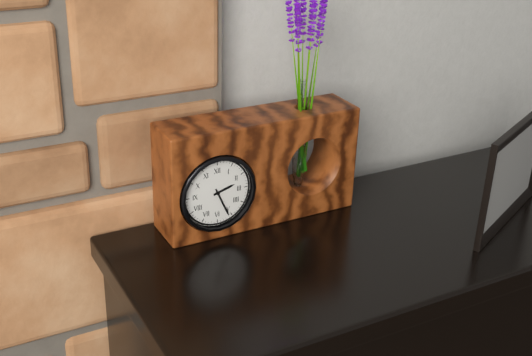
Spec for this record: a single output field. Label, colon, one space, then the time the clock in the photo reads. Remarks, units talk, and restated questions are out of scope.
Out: 2:26
